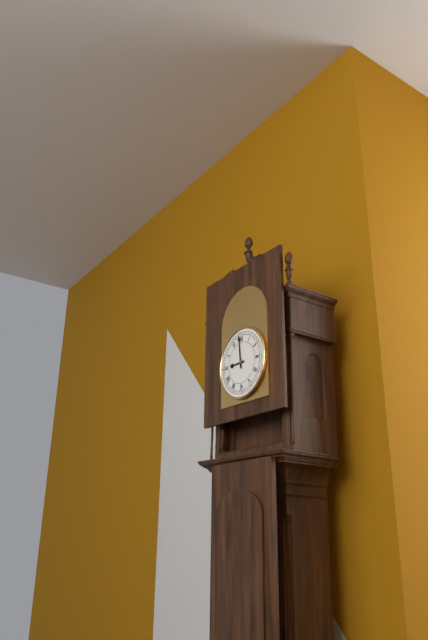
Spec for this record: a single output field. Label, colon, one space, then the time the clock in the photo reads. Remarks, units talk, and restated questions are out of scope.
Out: 8:59
